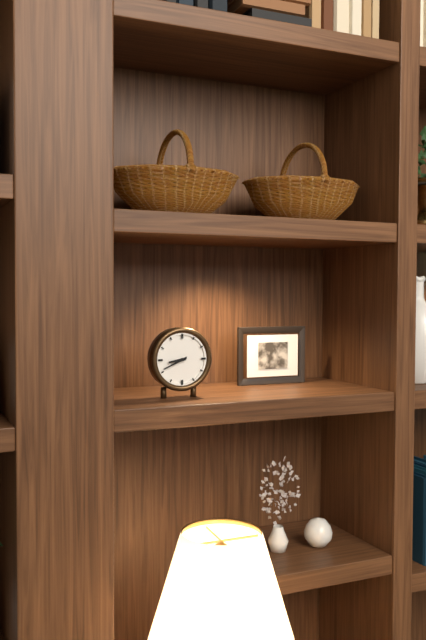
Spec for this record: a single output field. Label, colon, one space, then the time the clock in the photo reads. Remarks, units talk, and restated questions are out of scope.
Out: 8:41
